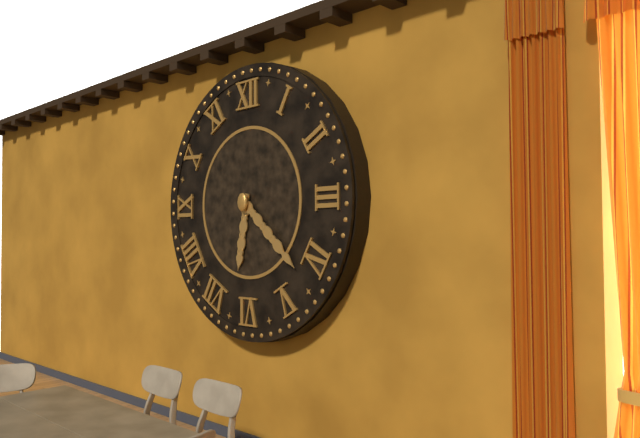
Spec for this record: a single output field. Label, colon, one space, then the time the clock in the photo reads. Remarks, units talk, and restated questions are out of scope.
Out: 6:22
